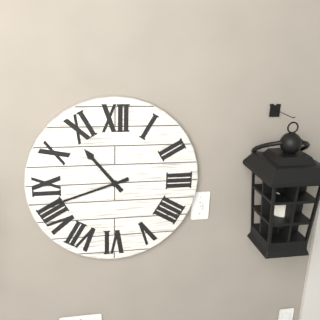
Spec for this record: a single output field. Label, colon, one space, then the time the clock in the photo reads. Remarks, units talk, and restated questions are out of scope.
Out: 10:42
